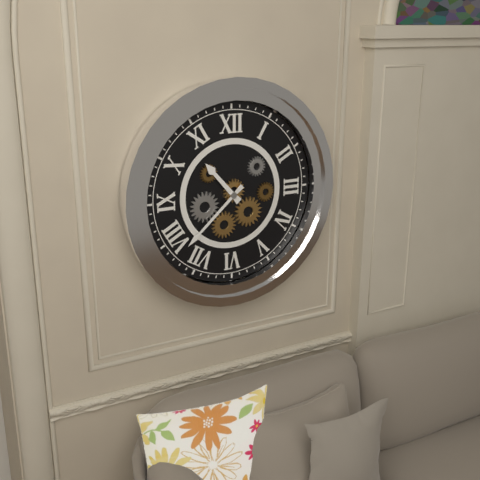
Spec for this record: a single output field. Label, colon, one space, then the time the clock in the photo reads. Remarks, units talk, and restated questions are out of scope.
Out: 10:38
